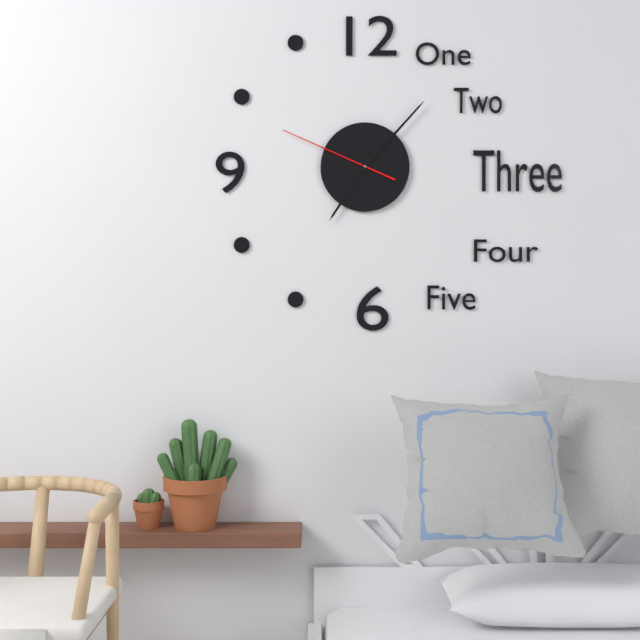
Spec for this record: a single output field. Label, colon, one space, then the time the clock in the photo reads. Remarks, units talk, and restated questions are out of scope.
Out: 7:07:49
